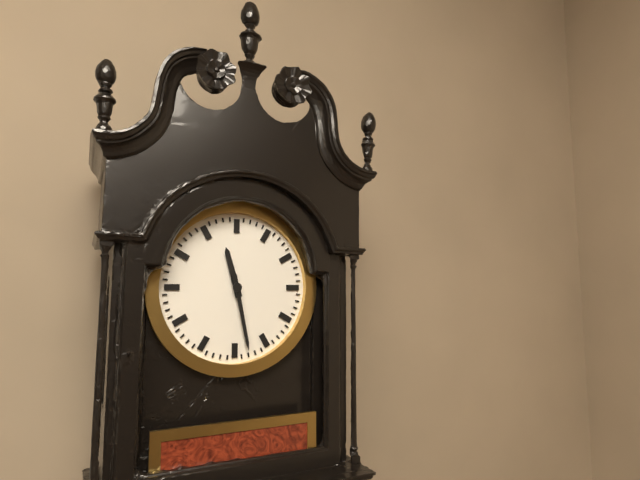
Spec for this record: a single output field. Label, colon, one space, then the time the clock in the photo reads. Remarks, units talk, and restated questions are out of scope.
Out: 11:28
